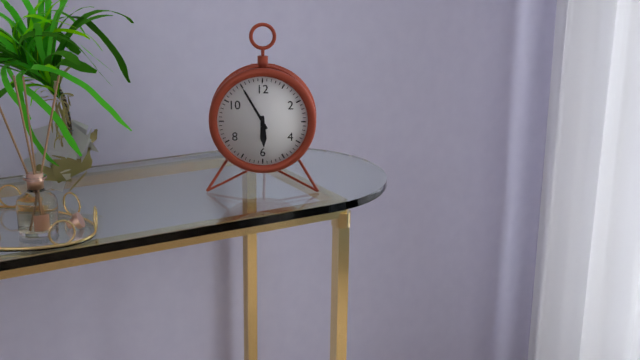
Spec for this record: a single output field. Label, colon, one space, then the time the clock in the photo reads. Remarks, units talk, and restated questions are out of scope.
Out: 5:55
